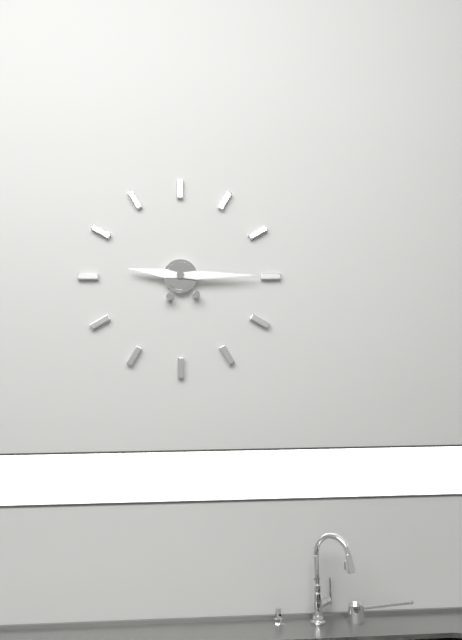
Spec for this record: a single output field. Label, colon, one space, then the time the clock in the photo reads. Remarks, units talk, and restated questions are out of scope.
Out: 9:15
